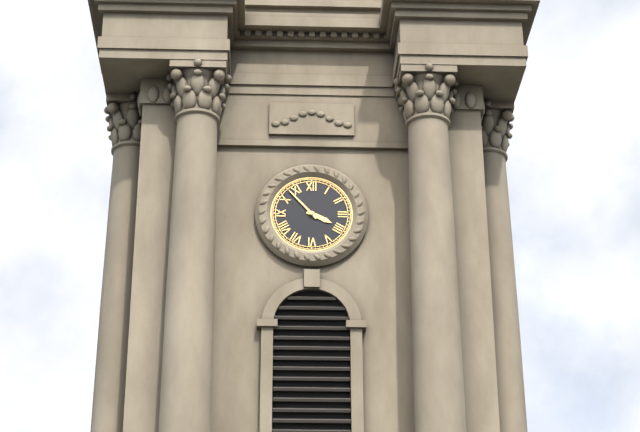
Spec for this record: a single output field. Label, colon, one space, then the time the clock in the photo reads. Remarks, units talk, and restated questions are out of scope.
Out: 3:53
